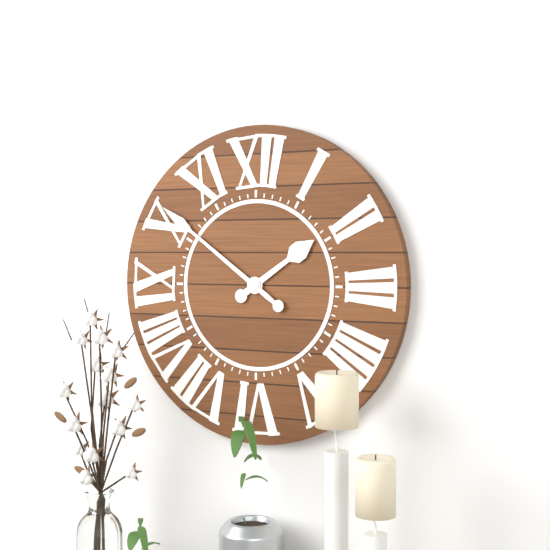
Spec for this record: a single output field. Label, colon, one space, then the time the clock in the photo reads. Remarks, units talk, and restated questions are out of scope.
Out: 1:51
